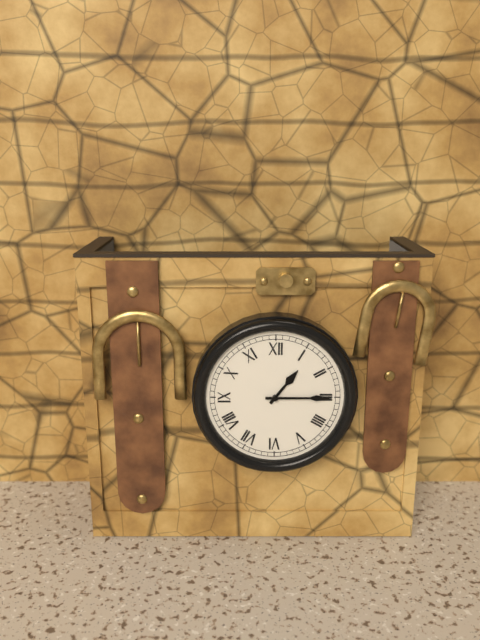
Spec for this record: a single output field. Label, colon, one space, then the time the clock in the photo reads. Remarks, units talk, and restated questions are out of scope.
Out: 1:15
